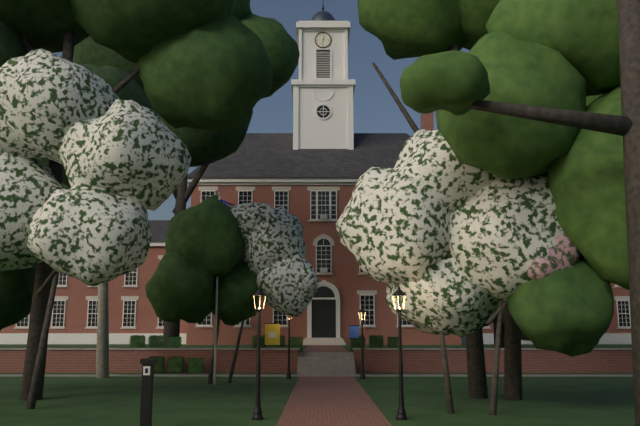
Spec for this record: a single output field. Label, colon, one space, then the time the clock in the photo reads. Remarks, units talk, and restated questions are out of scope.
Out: 12:32
